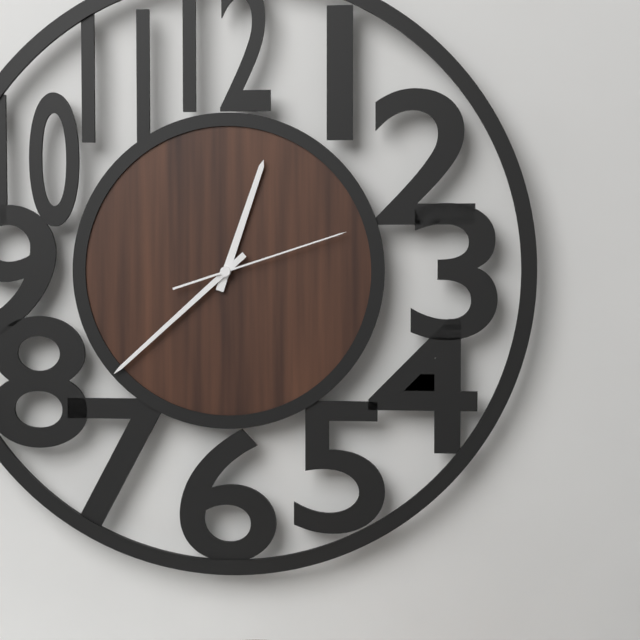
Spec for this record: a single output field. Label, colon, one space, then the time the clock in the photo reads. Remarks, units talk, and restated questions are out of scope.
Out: 12:38:12
